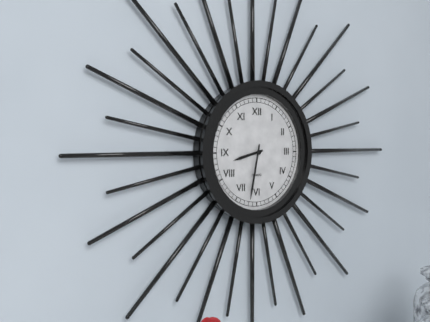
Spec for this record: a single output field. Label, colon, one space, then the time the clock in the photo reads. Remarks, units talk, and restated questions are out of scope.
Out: 8:32
